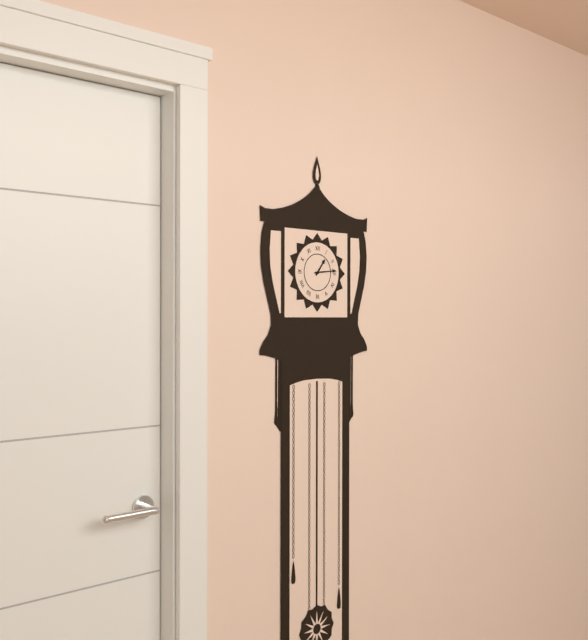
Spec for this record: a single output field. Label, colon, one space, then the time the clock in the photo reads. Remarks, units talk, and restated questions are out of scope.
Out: 1:14
